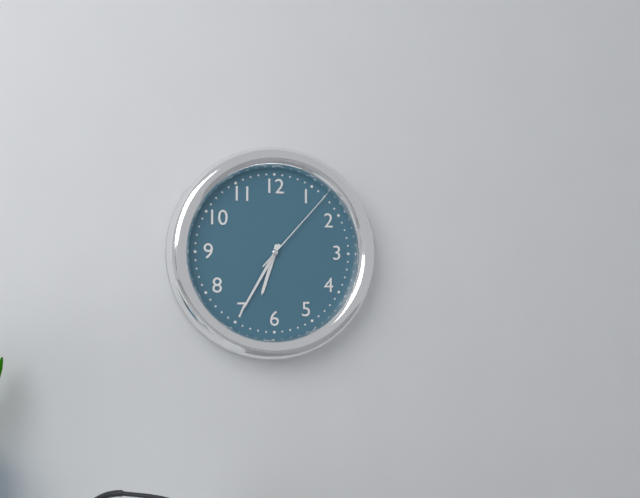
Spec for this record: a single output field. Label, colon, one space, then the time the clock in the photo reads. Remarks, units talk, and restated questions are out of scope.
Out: 6:35:07
